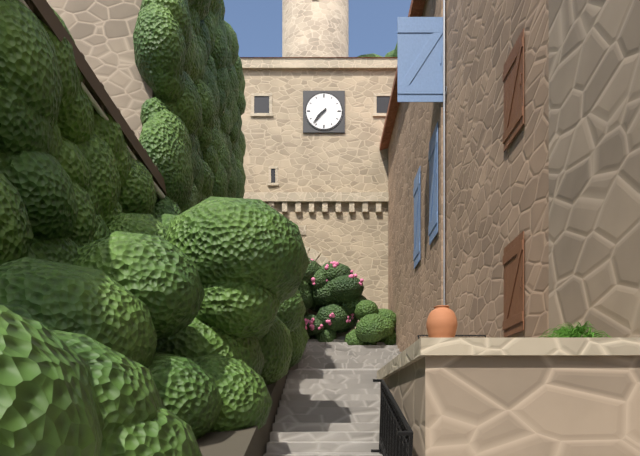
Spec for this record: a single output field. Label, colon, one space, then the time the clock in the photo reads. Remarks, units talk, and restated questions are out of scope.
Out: 7:37
